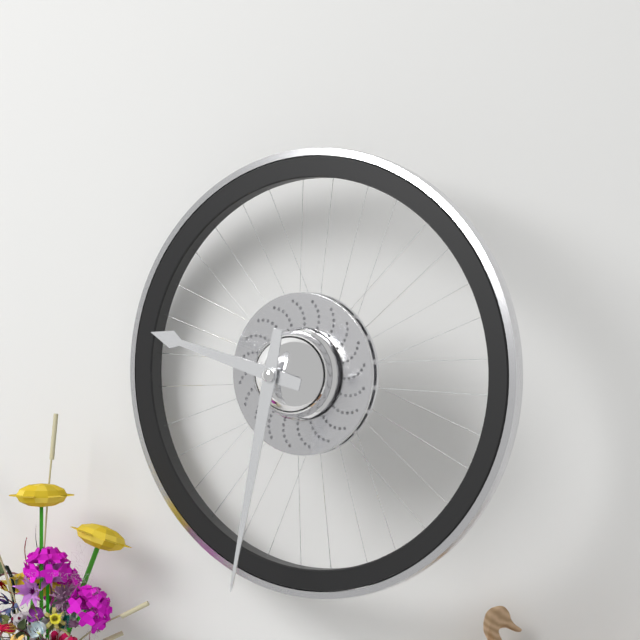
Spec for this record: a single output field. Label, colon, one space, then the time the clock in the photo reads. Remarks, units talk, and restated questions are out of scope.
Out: 9:32
